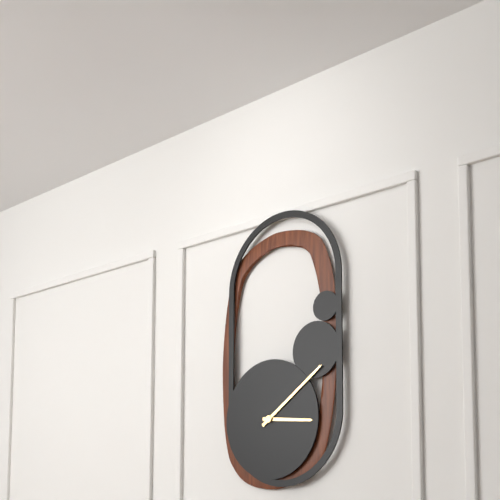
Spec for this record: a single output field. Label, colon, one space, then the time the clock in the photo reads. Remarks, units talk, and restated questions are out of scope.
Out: 3:09
